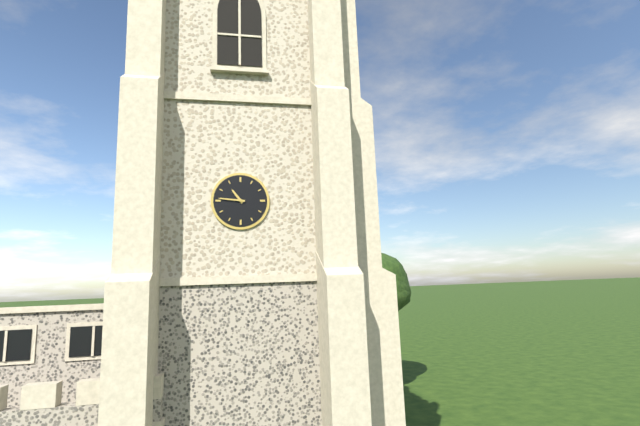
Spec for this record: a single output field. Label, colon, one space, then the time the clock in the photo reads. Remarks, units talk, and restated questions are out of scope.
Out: 10:46
